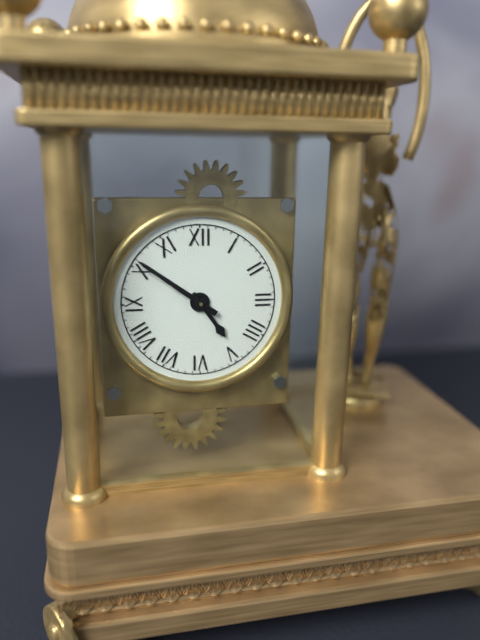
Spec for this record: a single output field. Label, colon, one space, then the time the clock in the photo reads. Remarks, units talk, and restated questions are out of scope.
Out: 4:51
